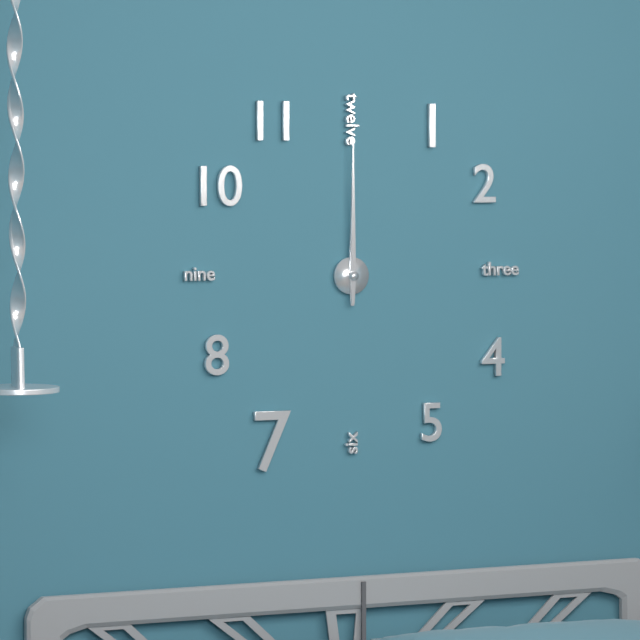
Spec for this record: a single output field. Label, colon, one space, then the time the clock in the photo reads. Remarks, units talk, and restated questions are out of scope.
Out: 12:00
